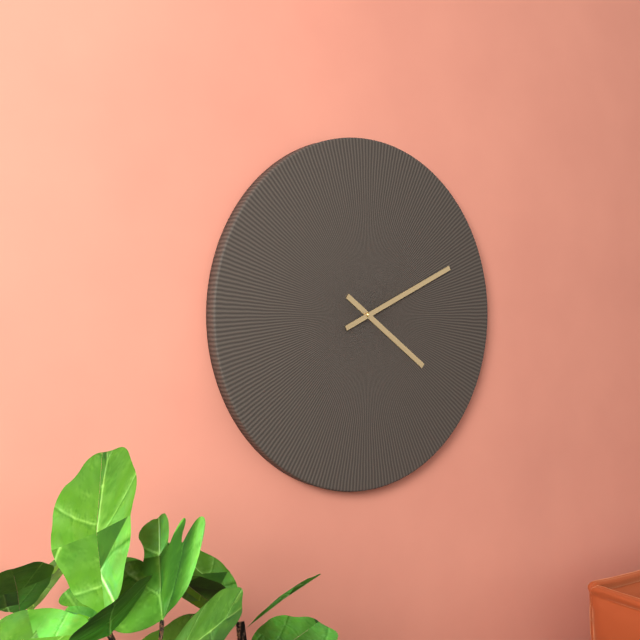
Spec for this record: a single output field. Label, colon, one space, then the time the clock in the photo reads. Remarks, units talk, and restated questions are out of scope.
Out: 4:11
